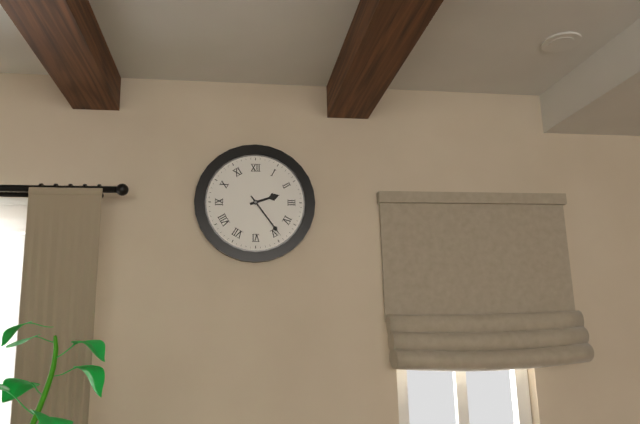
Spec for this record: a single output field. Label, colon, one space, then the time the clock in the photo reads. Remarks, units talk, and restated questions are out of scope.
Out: 2:24
